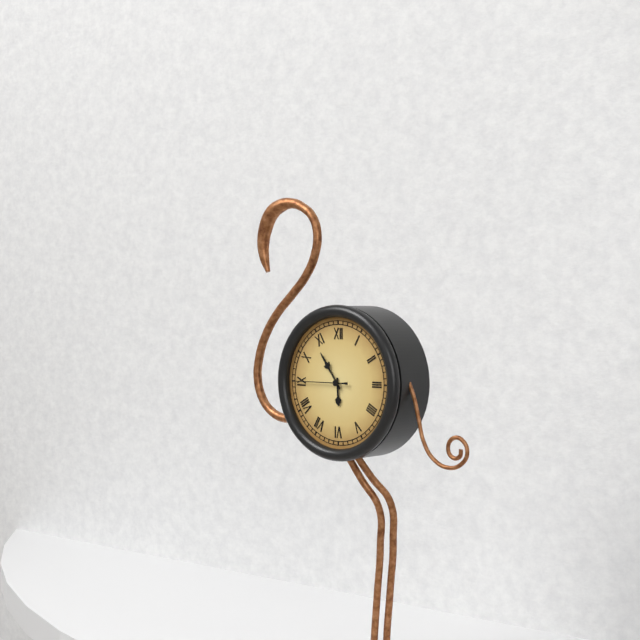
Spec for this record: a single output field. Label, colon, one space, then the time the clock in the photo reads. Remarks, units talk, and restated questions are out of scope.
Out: 5:54:45
